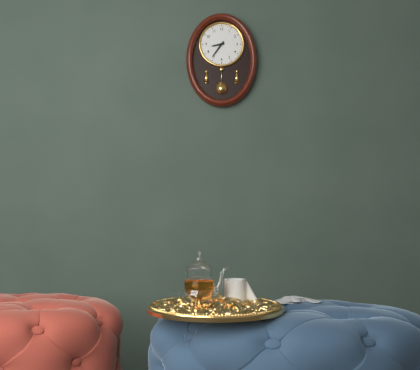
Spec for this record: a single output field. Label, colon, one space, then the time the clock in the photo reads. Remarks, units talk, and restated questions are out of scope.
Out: 8:36
